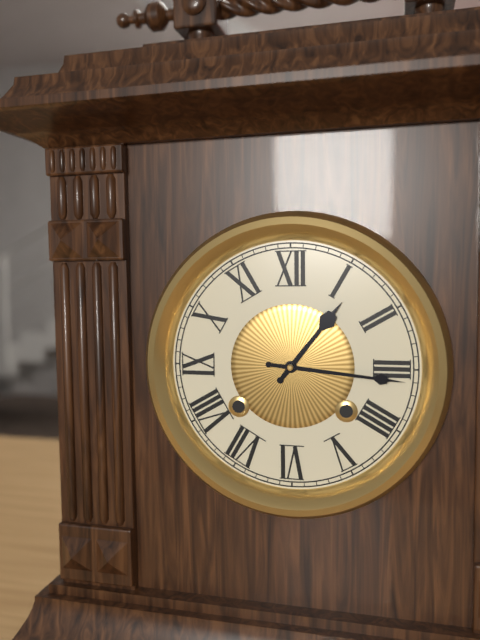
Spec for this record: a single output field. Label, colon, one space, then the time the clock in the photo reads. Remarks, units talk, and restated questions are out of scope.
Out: 1:16
